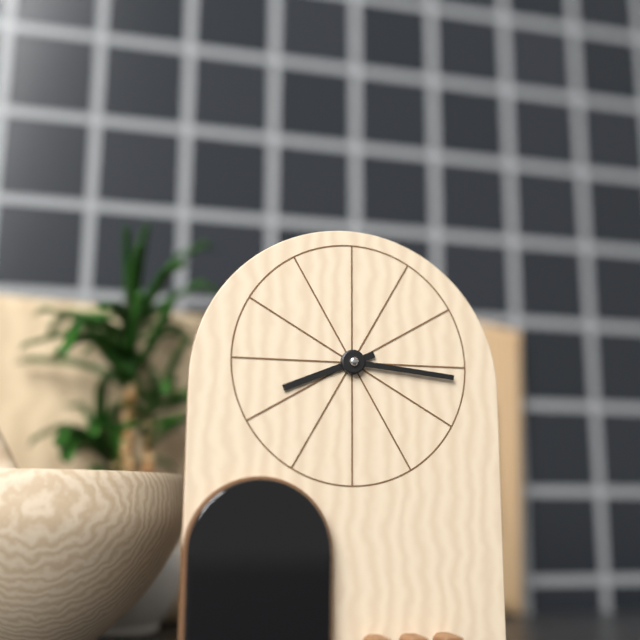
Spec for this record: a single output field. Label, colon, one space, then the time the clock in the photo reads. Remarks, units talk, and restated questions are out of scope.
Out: 8:16
